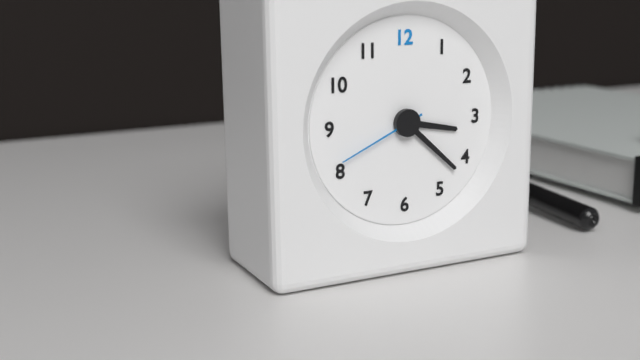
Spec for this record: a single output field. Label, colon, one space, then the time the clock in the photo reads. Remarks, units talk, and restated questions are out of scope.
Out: 3:22:41
